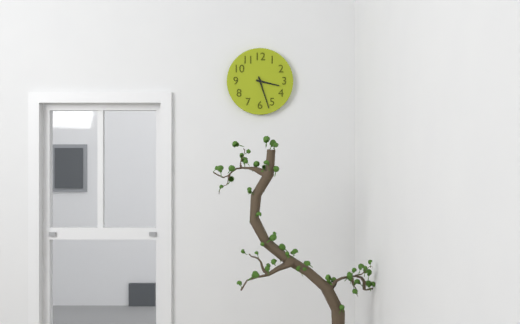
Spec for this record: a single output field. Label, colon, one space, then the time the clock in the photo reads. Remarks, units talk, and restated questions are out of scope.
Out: 3:27
